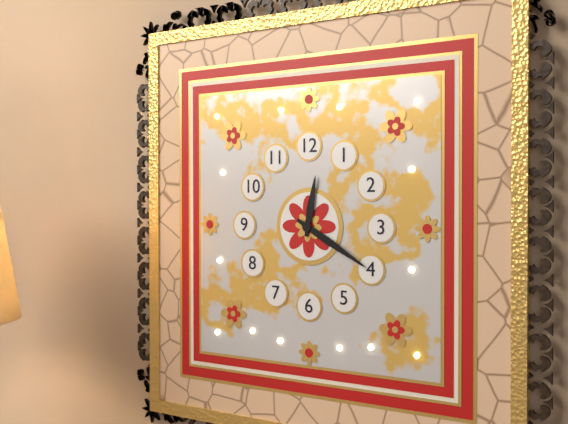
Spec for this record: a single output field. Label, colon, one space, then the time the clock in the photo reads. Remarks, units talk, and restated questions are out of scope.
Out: 12:20
